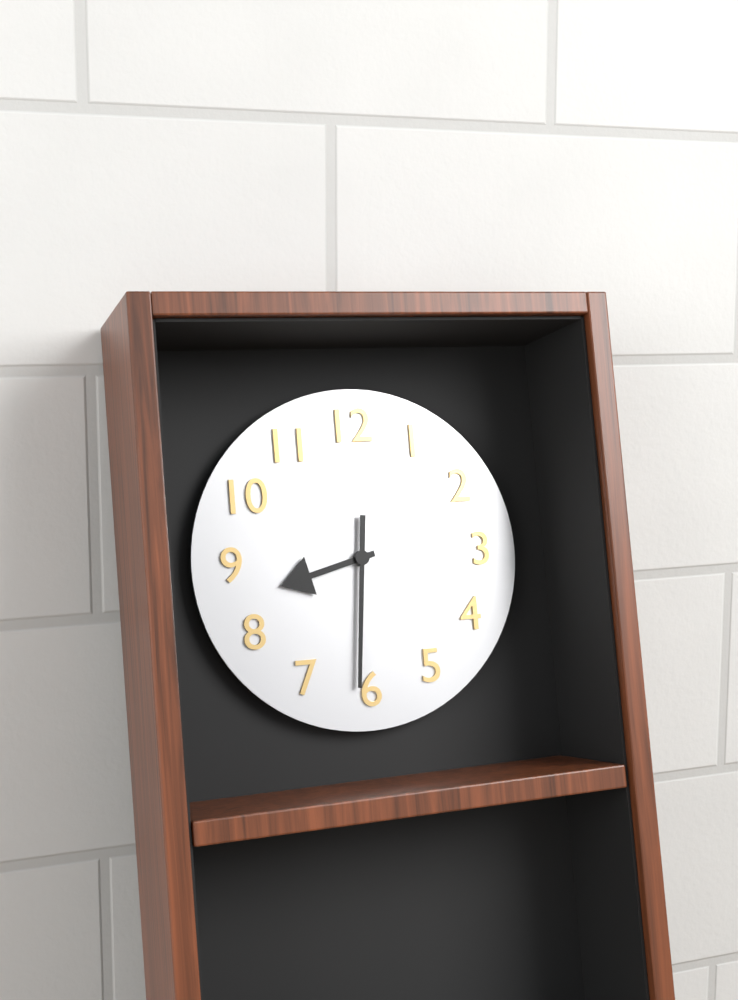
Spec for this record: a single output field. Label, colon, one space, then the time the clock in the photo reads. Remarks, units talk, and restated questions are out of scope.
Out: 8:31
